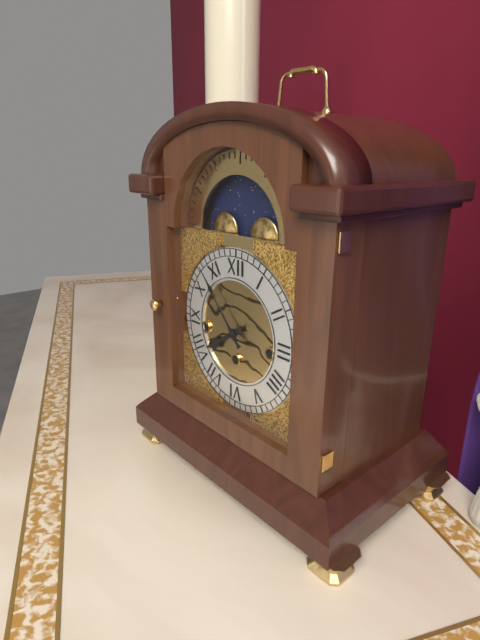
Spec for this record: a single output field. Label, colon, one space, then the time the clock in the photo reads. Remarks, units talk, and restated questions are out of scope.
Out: 7:53
